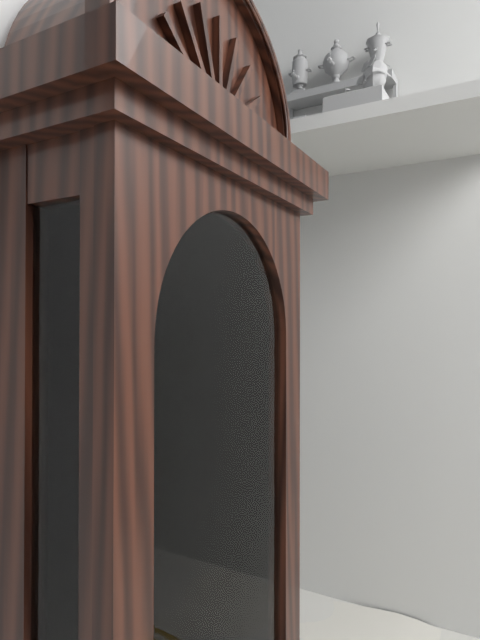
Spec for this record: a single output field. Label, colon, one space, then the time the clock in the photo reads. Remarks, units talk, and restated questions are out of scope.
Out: 4:31
